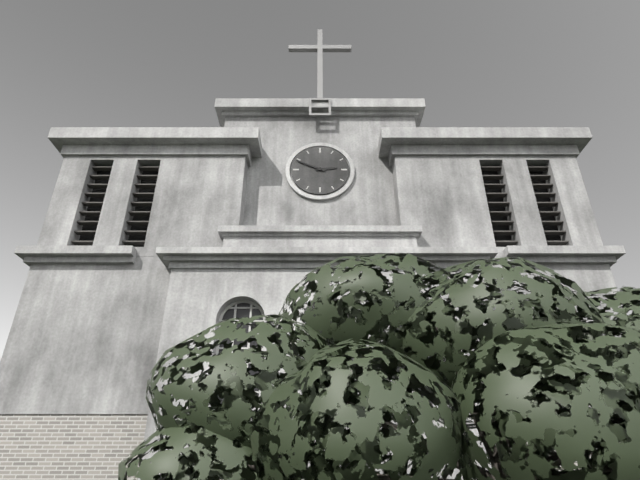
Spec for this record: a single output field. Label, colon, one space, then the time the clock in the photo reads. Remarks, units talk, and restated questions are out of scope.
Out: 2:49
